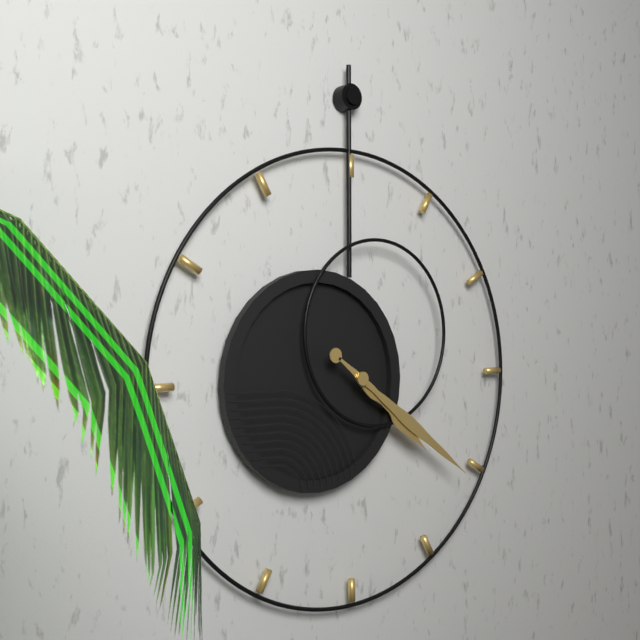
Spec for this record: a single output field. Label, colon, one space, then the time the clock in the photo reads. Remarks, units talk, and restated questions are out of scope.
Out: 4:21
